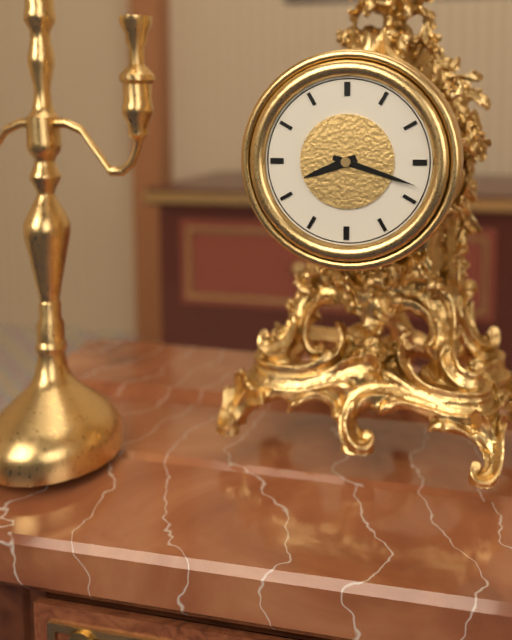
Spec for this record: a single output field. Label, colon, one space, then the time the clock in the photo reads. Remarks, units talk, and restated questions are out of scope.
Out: 8:18
